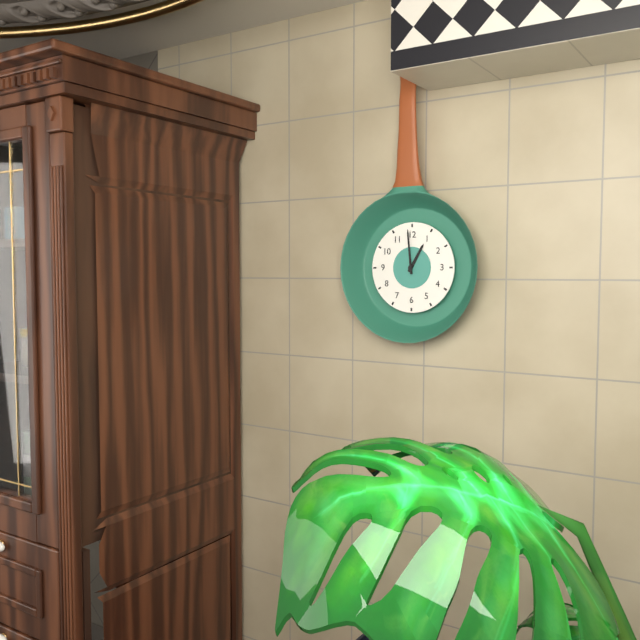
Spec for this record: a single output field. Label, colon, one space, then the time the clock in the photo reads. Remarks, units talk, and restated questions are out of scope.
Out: 12:59
